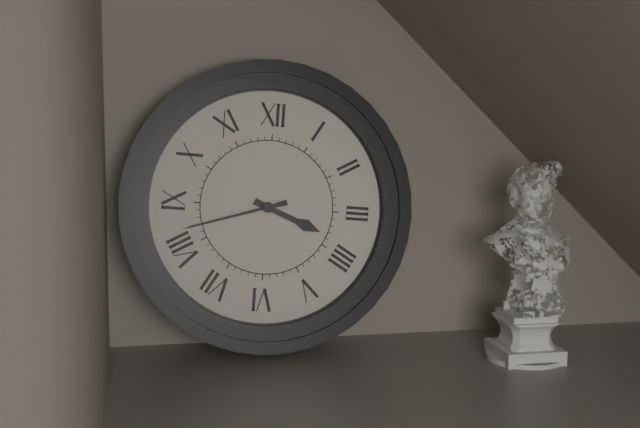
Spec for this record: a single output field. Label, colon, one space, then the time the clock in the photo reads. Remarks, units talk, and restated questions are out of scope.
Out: 3:42
